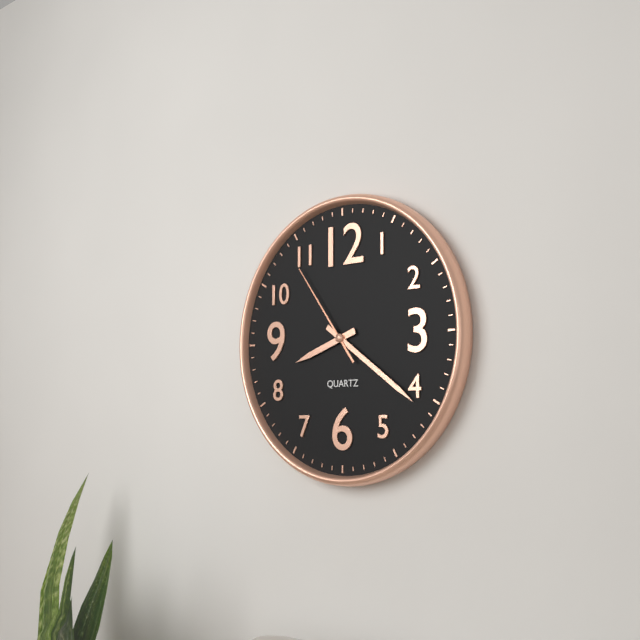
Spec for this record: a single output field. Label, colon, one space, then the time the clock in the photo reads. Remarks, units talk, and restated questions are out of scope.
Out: 8:21:54
